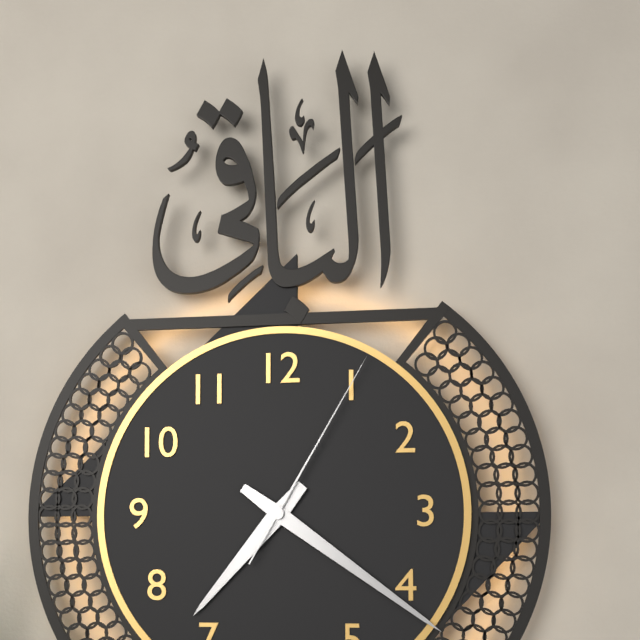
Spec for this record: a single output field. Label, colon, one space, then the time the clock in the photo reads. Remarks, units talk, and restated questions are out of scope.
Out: 7:21:05
